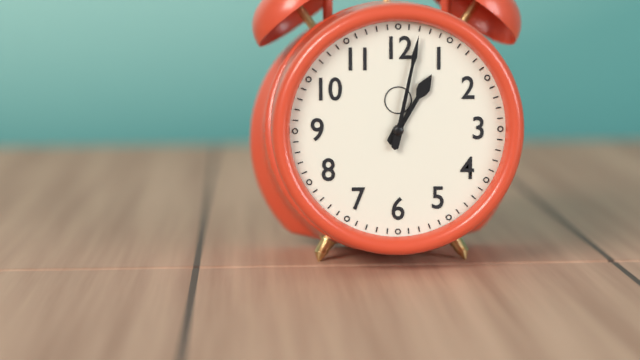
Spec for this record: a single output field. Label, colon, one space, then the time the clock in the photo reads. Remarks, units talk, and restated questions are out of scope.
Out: 1:02
